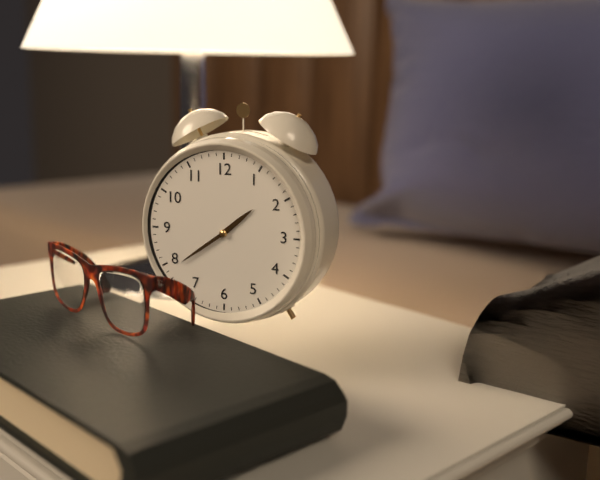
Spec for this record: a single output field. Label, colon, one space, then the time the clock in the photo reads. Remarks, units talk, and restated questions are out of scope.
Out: 1:39
